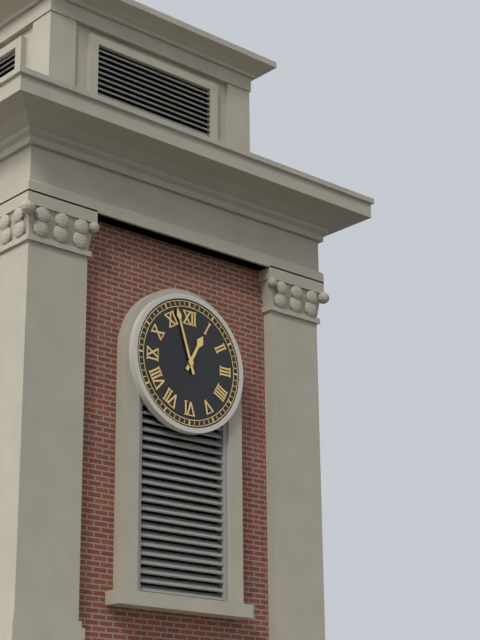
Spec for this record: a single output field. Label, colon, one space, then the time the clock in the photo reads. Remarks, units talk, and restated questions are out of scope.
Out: 12:57
